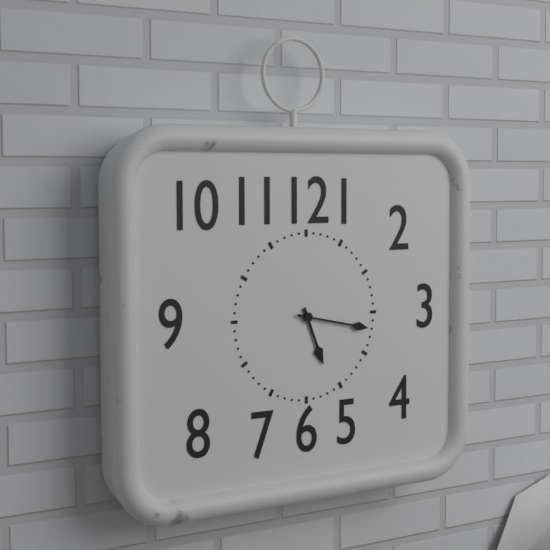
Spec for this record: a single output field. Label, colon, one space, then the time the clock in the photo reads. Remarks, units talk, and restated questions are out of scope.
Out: 5:17
